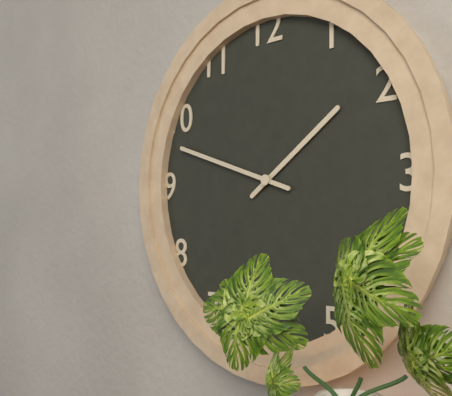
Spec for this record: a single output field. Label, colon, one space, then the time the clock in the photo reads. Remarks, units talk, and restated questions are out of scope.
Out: 1:48
